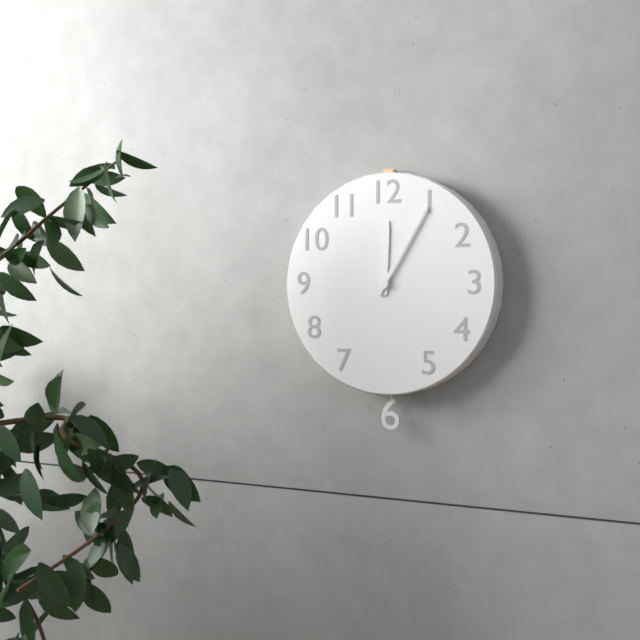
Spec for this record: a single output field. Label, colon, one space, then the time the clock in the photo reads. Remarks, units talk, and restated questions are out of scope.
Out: 12:05
